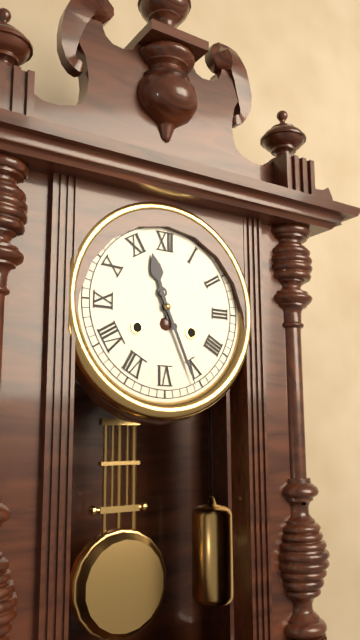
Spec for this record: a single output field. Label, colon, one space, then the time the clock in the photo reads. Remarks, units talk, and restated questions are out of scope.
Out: 11:26
